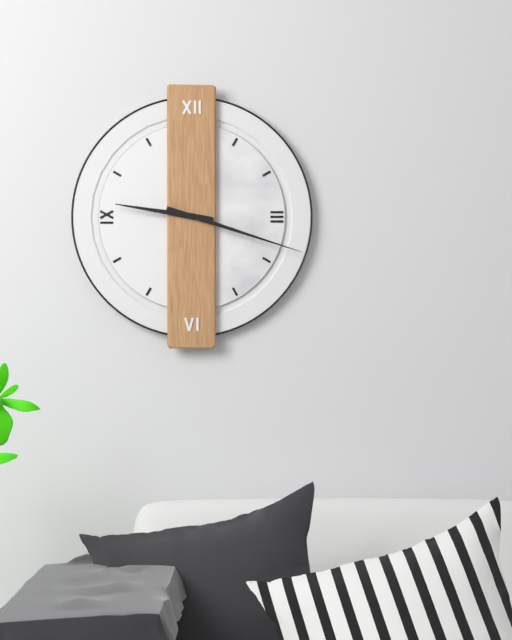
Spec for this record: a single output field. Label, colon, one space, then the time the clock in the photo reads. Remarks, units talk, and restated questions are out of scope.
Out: 9:18
